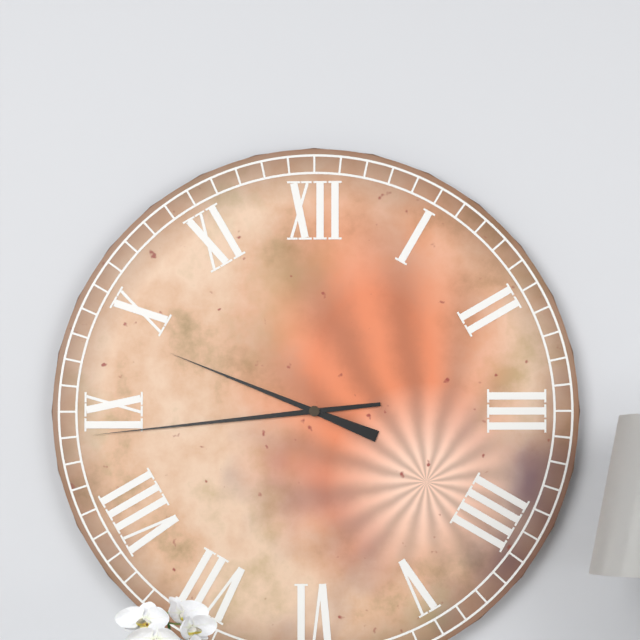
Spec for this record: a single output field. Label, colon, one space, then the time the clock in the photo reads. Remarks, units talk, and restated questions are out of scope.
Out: 9:44
